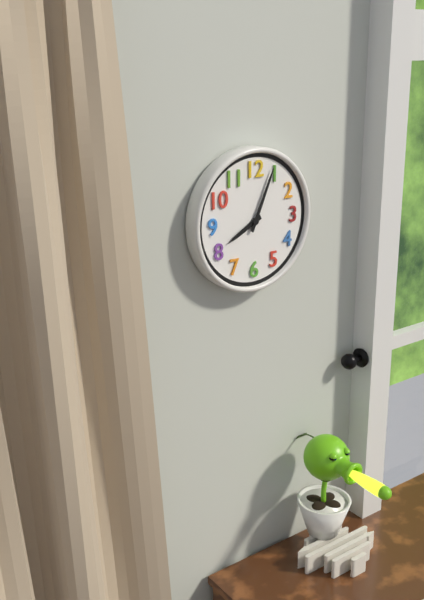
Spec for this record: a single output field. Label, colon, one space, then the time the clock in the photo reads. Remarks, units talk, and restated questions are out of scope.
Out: 8:04
